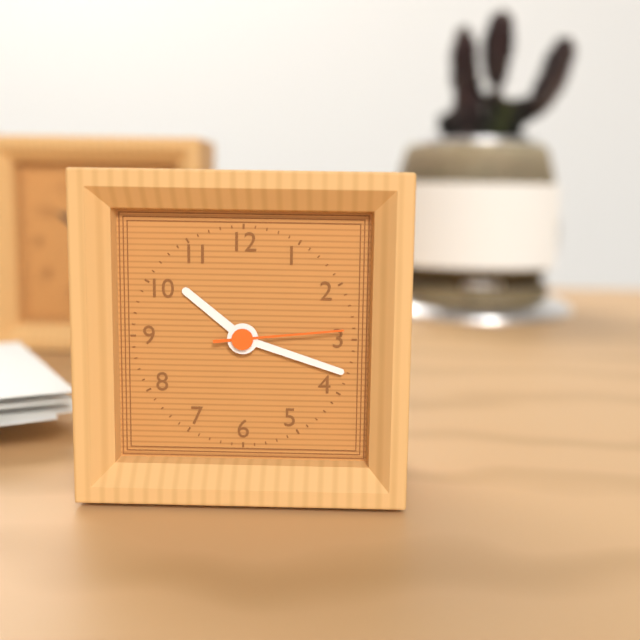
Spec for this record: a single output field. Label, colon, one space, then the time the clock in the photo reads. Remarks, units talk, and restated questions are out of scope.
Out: 10:18:14
